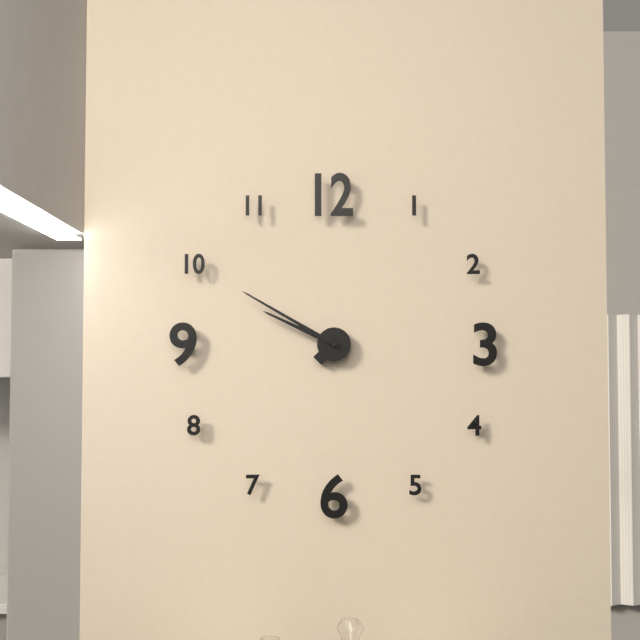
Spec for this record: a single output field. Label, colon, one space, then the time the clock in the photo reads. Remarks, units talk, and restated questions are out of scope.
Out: 9:50
